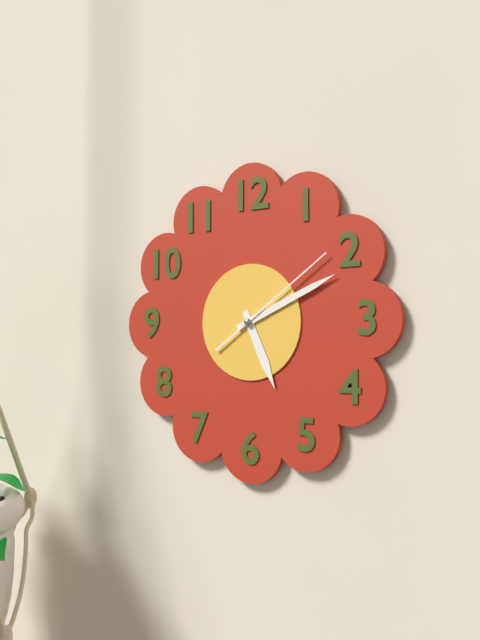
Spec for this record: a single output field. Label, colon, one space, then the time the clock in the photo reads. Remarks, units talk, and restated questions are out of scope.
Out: 5:11:09
